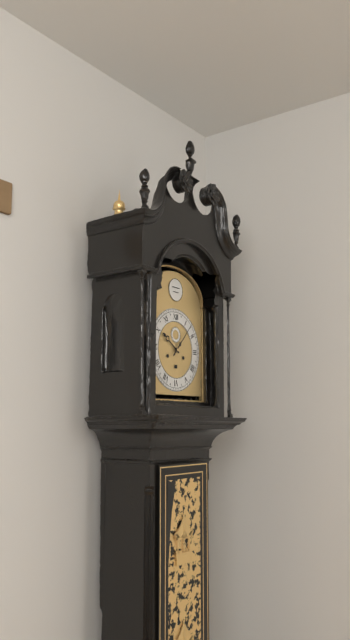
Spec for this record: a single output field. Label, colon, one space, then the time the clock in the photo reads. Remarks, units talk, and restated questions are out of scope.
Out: 10:07
